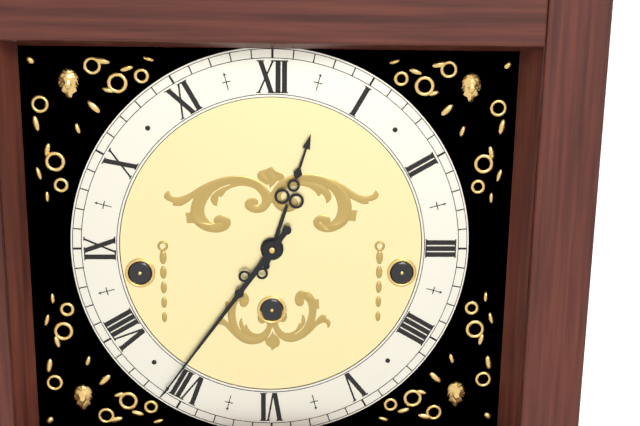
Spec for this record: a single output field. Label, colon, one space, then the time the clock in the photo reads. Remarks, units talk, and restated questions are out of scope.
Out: 12:36
